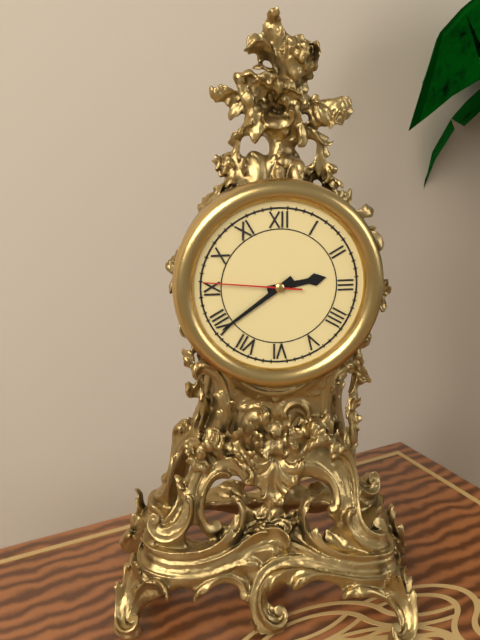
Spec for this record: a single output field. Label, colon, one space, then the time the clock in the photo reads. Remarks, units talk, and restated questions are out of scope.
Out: 2:39:46
